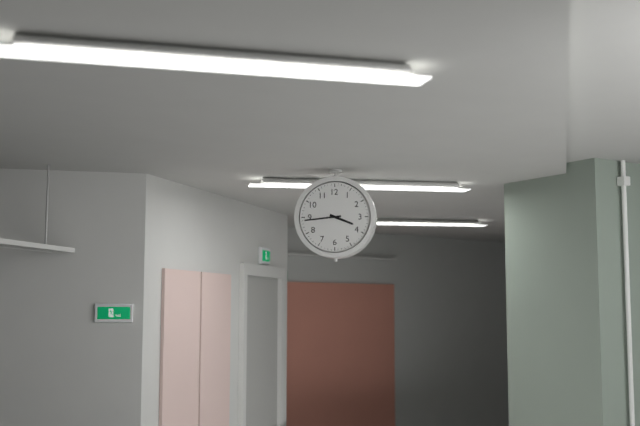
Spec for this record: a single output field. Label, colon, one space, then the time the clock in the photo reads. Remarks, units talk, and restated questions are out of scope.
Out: 3:44
